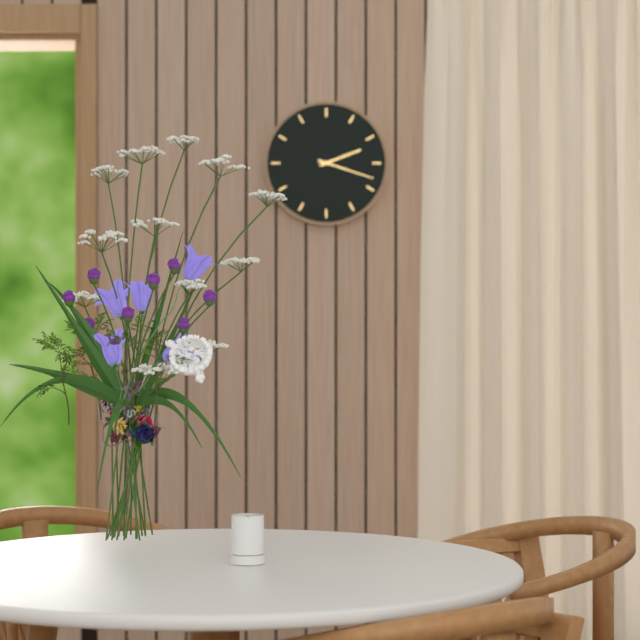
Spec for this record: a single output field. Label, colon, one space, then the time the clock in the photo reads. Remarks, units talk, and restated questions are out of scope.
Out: 2:18
